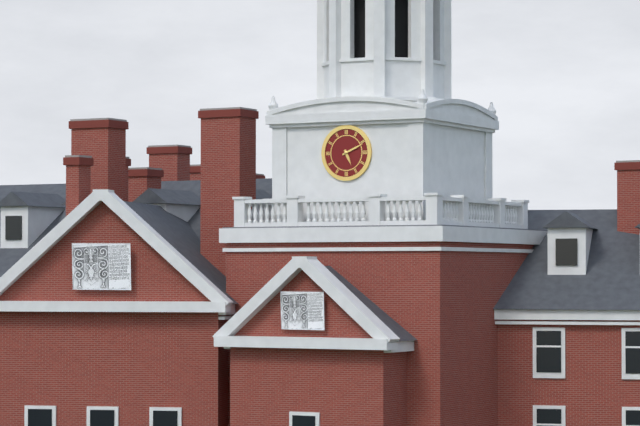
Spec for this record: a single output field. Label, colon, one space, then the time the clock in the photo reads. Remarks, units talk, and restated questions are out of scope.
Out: 5:11
